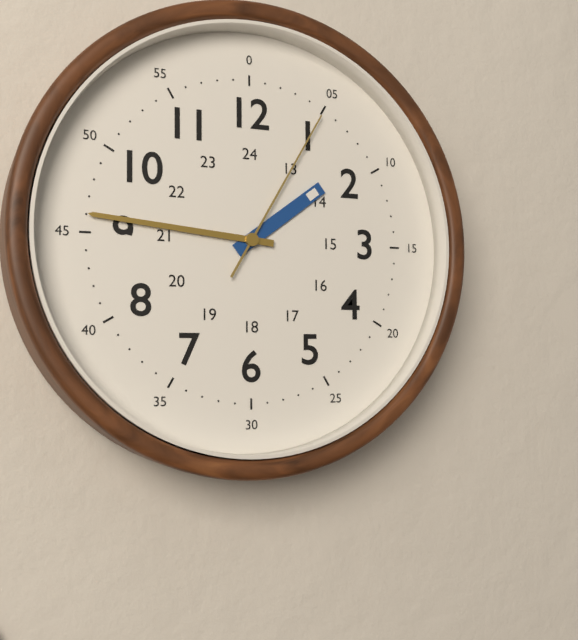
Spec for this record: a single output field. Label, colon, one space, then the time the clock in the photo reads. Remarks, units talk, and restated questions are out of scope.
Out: 1:46:05
